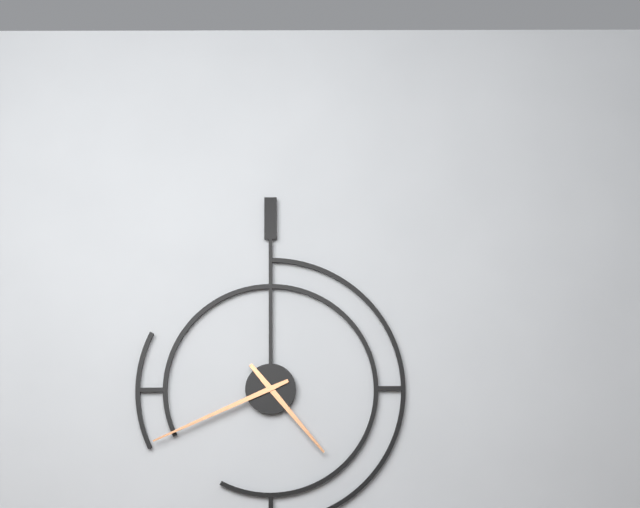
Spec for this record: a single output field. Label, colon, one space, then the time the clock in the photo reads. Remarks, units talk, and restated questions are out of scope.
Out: 4:41
